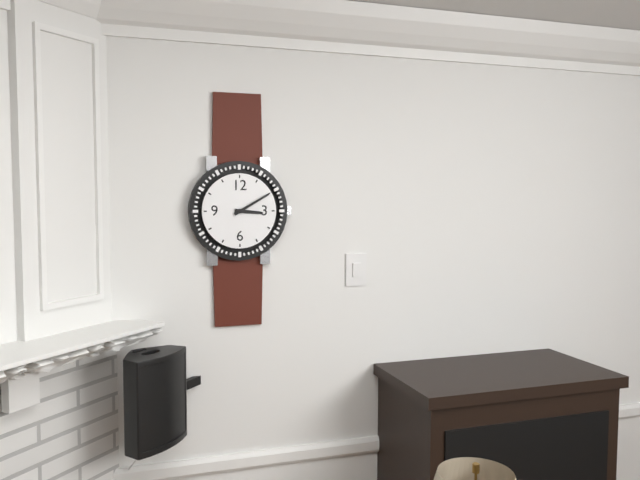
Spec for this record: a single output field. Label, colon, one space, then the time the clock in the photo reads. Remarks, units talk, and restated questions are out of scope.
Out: 3:10
